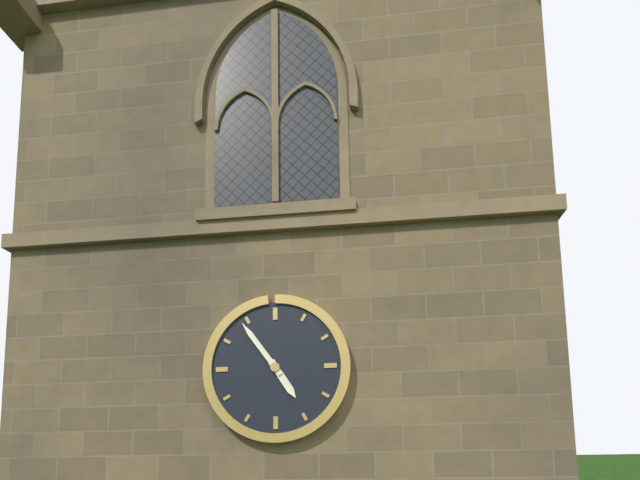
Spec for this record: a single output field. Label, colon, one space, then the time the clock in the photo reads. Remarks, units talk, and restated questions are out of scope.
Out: 4:54
